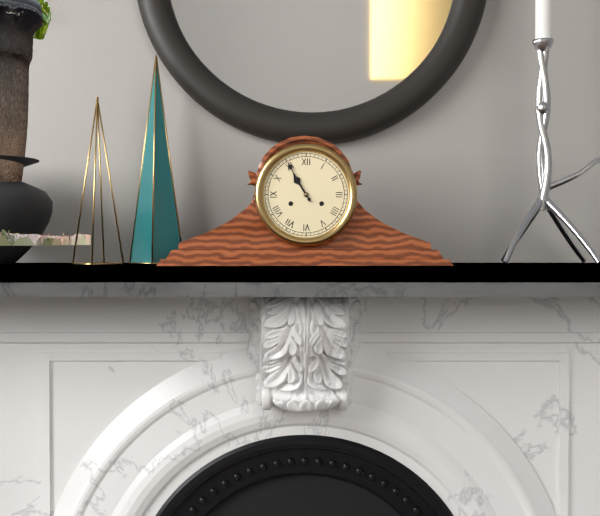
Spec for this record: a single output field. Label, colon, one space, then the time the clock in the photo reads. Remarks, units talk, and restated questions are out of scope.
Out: 10:55
